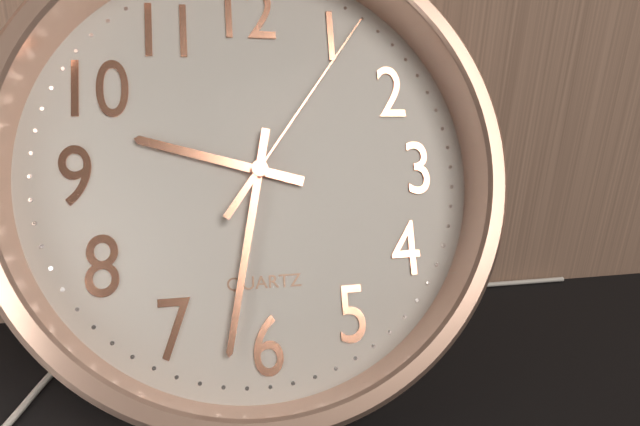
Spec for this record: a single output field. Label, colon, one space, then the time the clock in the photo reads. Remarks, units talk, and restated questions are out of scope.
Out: 9:32:06
